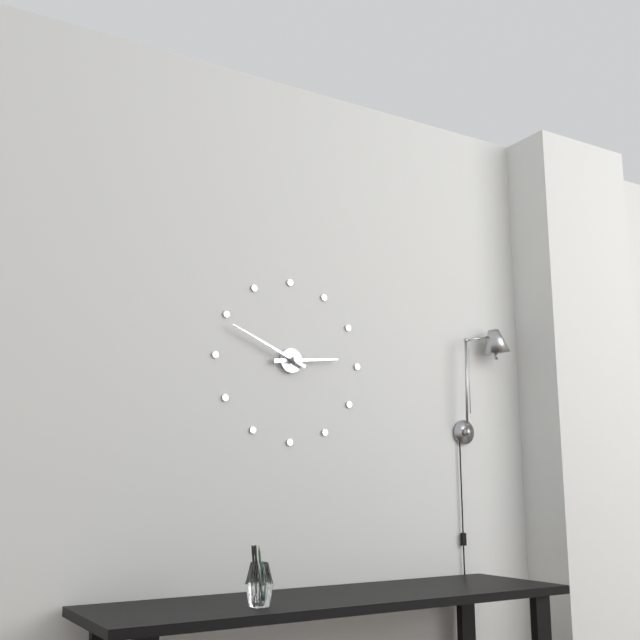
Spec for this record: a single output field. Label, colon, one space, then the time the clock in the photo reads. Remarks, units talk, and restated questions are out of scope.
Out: 2:49
